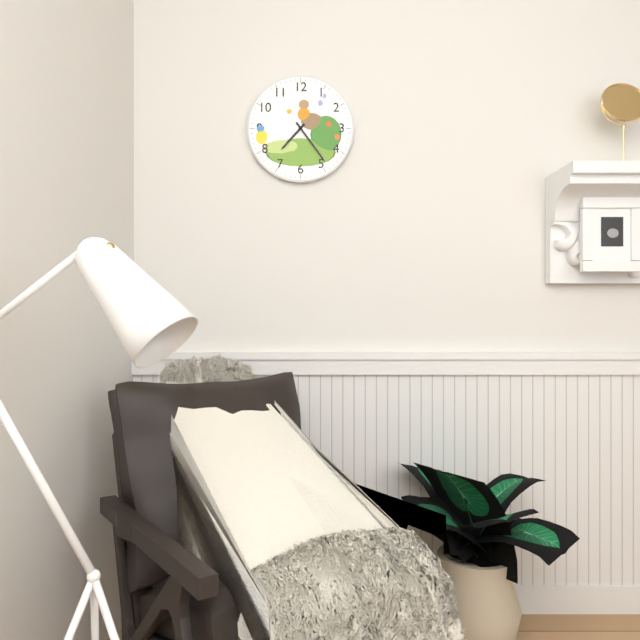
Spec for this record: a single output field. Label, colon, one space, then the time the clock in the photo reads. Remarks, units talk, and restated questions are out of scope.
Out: 7:24
